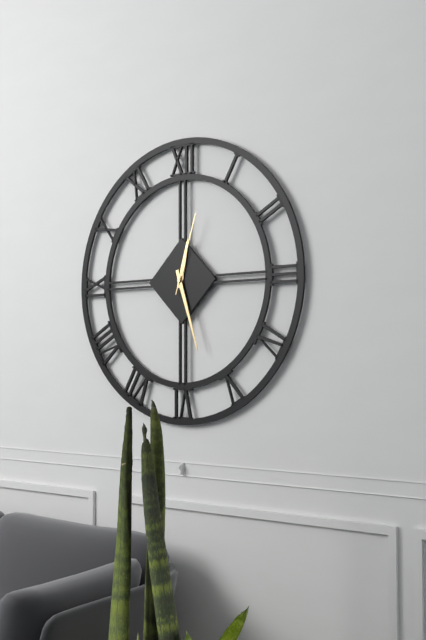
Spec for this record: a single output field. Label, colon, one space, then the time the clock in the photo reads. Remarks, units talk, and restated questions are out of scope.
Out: 12:27:03
